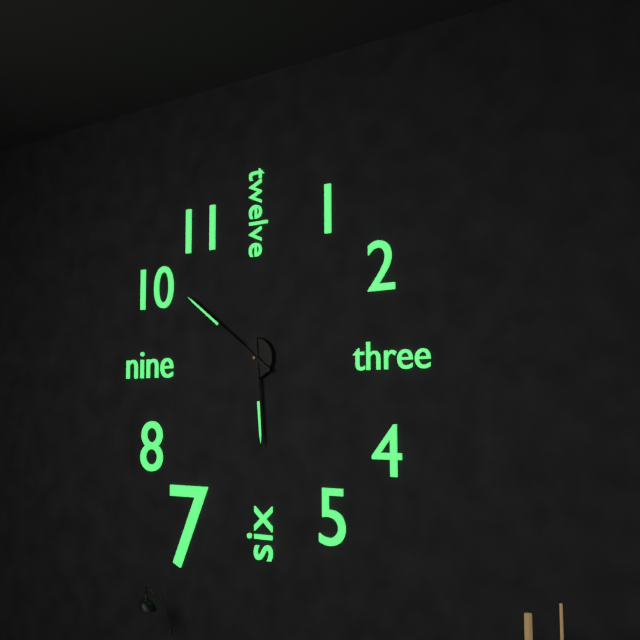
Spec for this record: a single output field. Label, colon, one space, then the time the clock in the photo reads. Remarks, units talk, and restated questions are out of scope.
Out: 5:51
